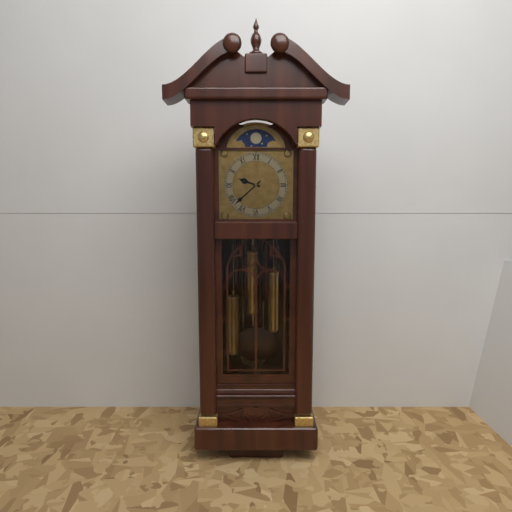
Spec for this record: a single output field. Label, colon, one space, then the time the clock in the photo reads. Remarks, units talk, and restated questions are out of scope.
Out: 9:38
